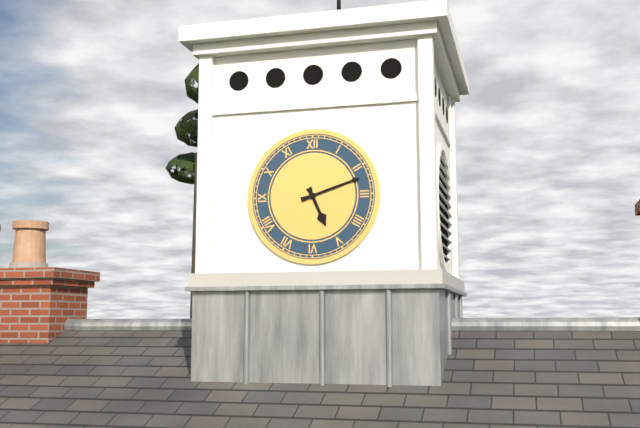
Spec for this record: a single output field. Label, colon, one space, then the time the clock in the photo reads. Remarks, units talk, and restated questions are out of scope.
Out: 5:12
